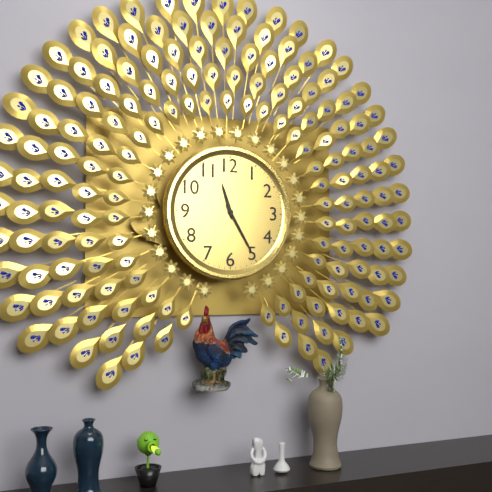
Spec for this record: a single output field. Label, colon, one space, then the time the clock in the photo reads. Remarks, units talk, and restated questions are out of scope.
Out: 11:25
